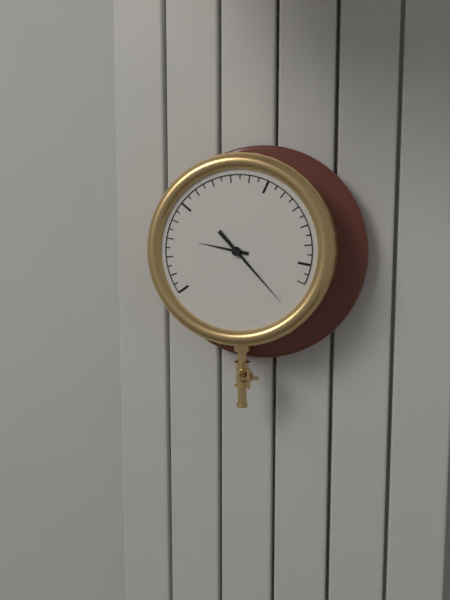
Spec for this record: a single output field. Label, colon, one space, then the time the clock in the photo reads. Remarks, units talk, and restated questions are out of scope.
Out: 9:23
